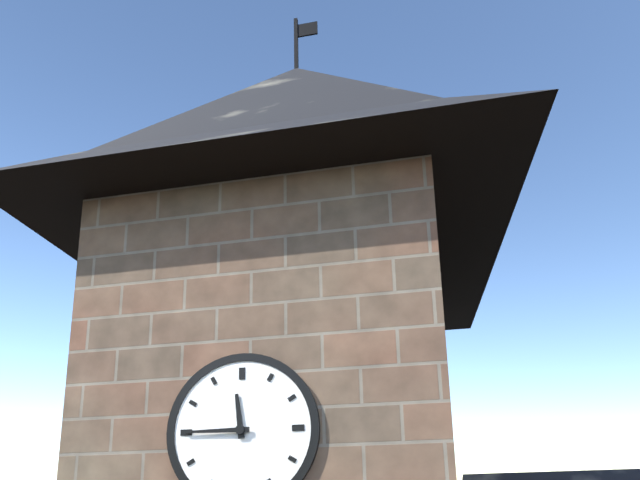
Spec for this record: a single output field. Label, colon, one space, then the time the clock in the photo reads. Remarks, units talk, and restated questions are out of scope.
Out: 11:45
